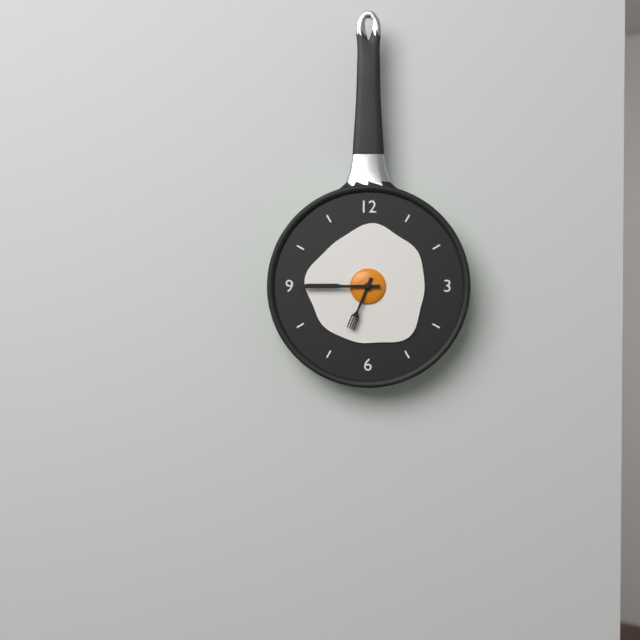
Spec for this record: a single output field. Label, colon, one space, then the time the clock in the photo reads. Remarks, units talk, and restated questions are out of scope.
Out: 6:45
